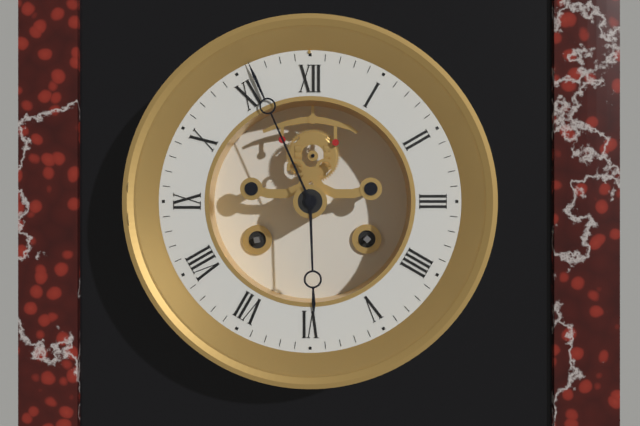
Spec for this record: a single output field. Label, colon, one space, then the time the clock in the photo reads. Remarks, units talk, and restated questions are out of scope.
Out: 5:56
